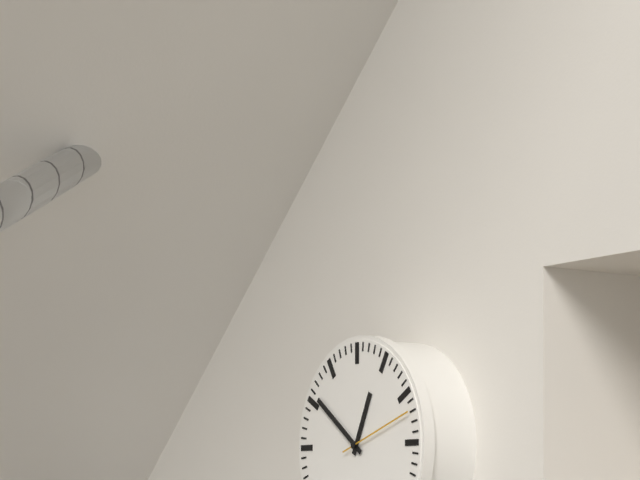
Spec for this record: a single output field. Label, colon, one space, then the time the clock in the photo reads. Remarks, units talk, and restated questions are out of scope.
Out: 12:51:12
